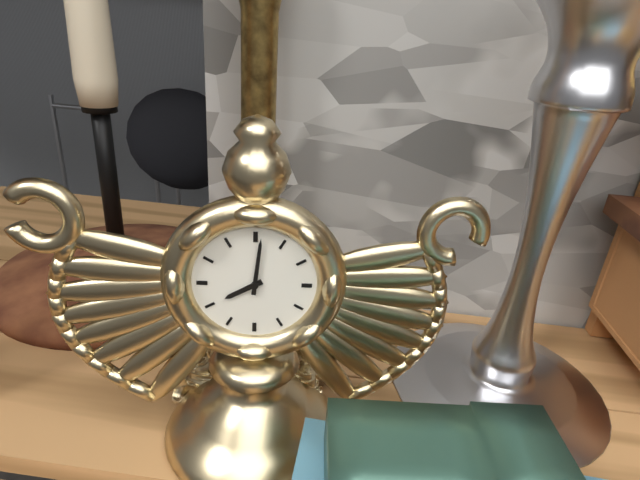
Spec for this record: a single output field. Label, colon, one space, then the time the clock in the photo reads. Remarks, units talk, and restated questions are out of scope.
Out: 8:01
